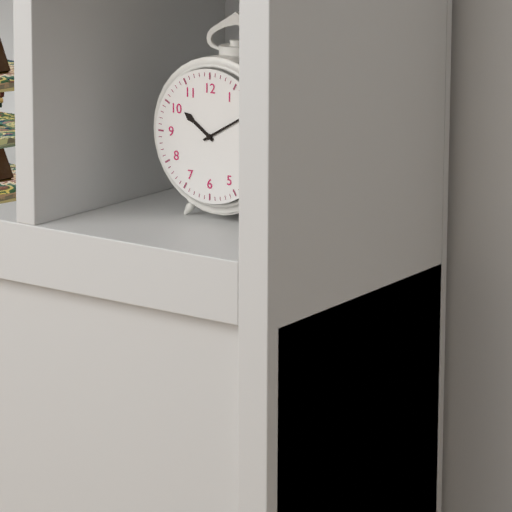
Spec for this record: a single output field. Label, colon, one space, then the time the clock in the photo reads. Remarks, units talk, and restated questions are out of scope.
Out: 10:10
